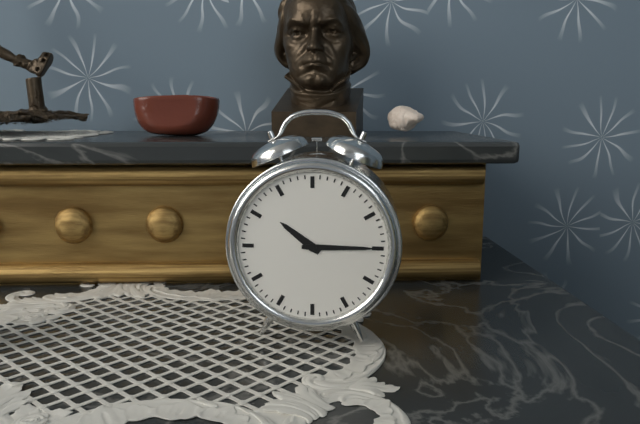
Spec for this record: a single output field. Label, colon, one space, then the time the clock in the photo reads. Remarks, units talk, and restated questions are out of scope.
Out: 10:15
